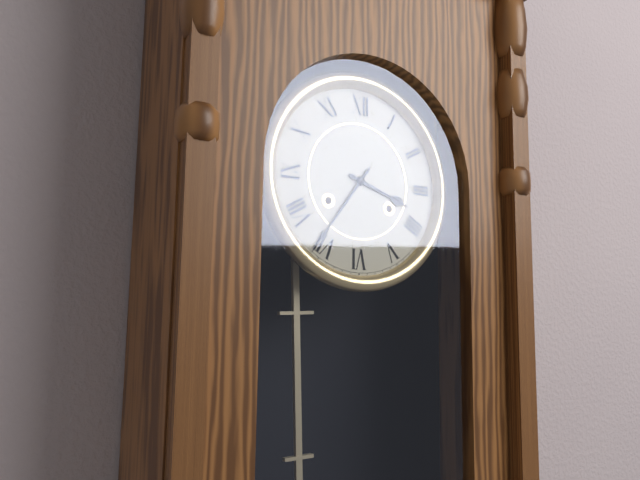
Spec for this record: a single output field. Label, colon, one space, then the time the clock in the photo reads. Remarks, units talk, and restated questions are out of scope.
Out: 3:36
